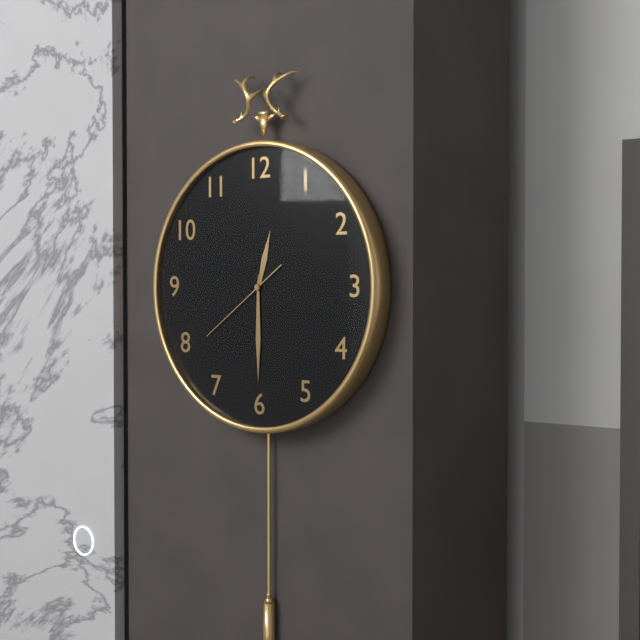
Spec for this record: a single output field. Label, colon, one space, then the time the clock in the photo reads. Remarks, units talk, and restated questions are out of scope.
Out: 12:30:39
